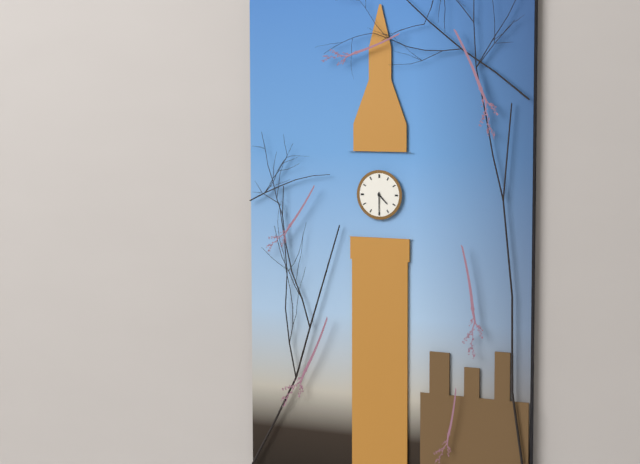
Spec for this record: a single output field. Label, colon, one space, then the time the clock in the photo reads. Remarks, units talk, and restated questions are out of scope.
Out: 4:30
